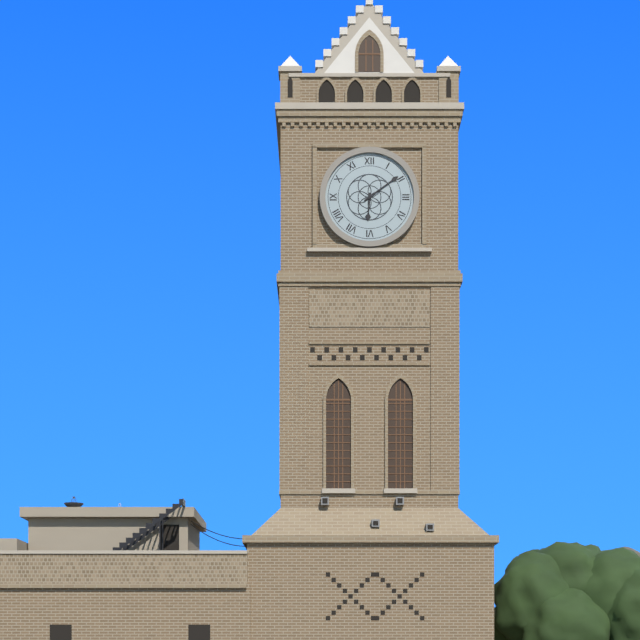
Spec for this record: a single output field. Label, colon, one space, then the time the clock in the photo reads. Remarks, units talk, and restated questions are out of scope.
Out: 6:09
